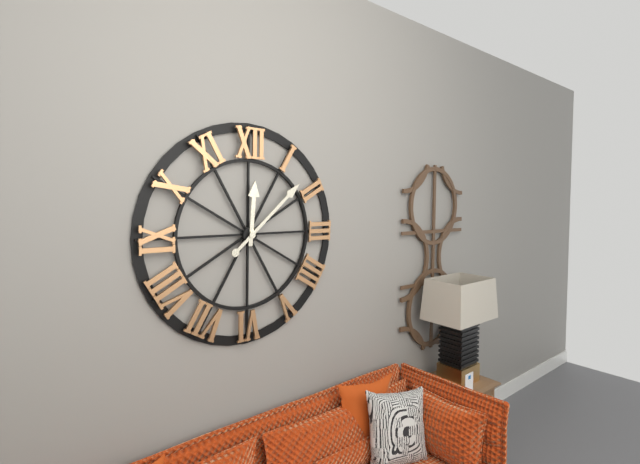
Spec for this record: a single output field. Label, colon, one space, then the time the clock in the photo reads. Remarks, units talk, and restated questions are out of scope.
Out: 12:08
